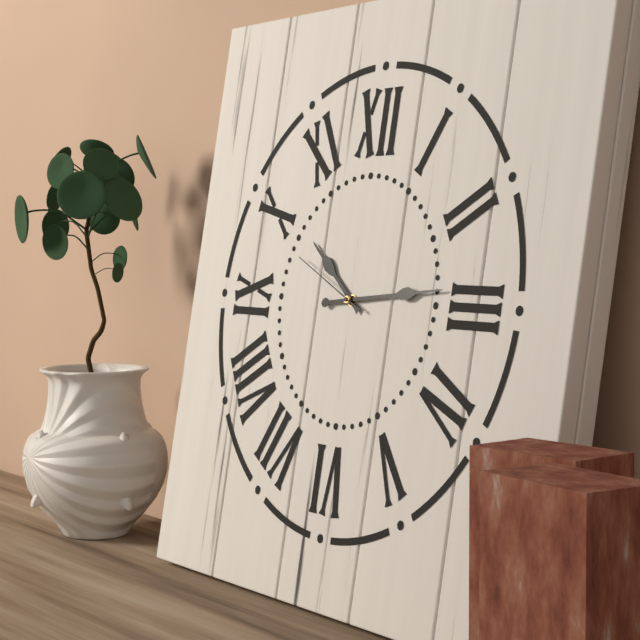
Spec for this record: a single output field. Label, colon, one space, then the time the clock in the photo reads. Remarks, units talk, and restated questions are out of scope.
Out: 10:14:49
